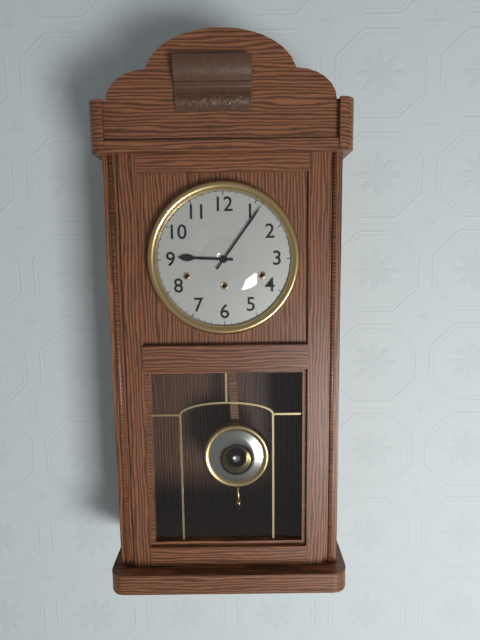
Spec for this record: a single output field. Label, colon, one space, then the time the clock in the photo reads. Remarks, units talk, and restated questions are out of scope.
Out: 9:06
